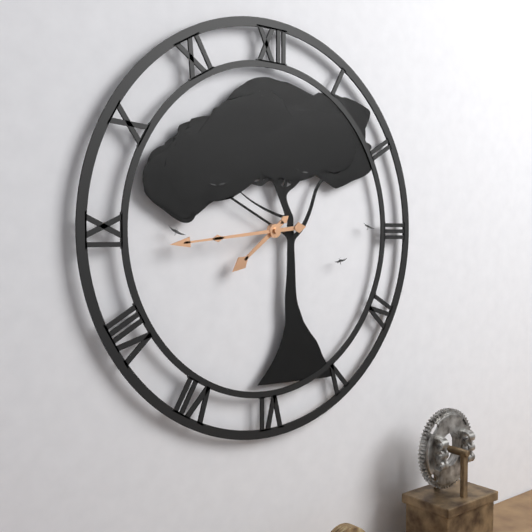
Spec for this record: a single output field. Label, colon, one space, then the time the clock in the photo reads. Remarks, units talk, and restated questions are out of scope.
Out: 7:44
